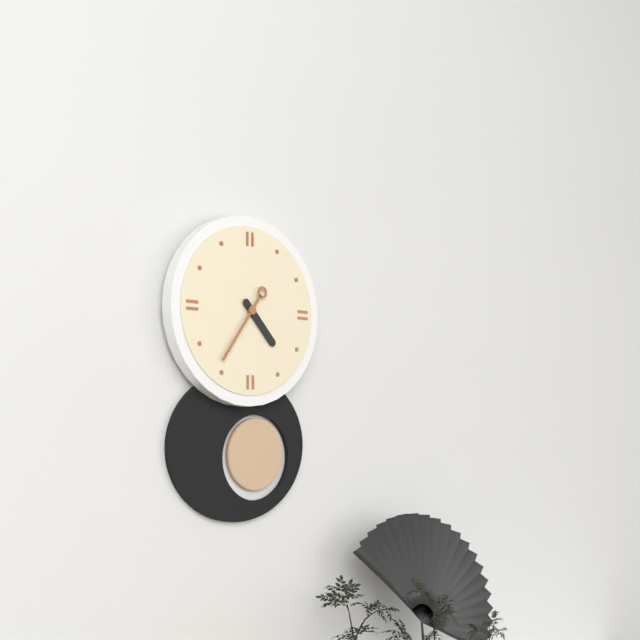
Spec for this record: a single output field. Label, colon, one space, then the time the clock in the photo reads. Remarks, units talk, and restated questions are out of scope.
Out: 4:36
